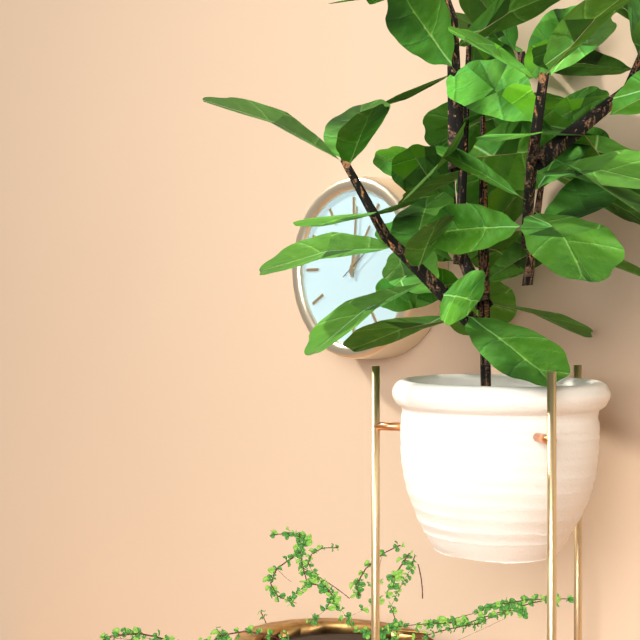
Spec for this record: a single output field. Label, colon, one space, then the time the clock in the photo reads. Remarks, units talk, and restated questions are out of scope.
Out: 1:01
